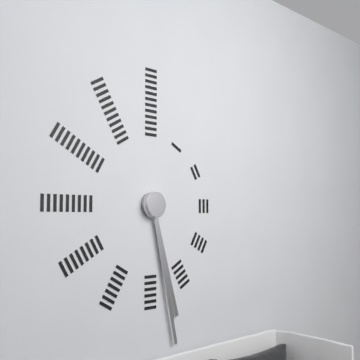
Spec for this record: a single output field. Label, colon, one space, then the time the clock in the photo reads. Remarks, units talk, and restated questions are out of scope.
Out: 5:28
